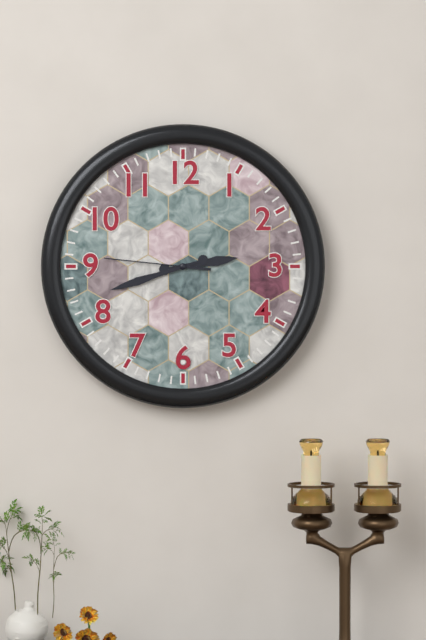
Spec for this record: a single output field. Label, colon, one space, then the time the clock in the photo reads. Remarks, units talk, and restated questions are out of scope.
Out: 2:42:46
